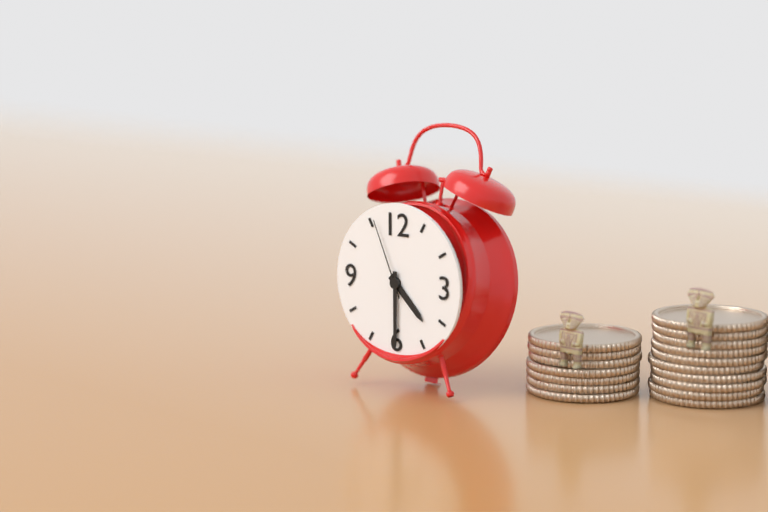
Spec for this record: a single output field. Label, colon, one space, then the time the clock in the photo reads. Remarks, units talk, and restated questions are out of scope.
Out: 4:30:56
